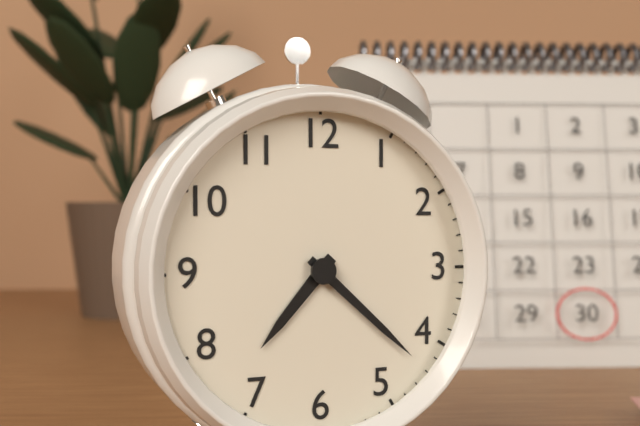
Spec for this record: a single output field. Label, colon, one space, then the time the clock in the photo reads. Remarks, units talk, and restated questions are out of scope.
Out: 7:22
